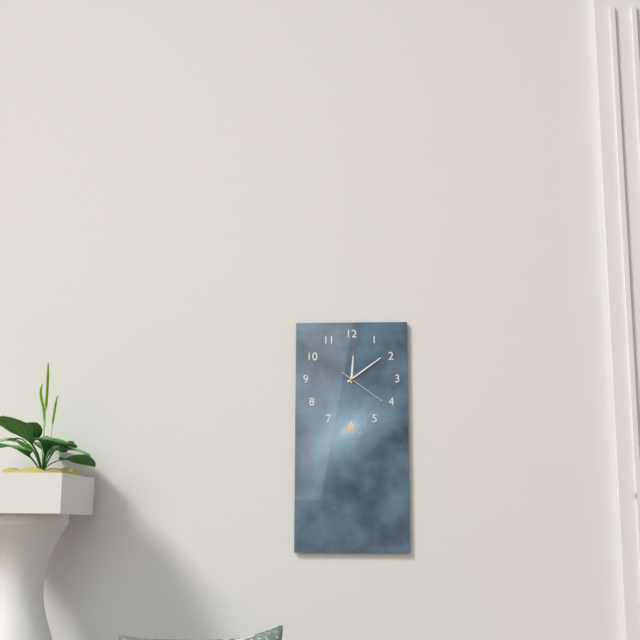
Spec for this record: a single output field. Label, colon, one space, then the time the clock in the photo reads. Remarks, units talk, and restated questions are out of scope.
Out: 12:09
